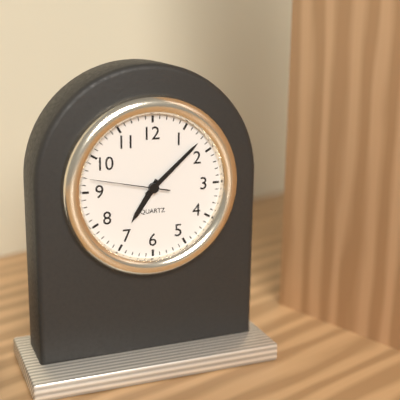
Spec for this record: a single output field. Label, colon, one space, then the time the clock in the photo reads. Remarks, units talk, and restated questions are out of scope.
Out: 7:08:47
